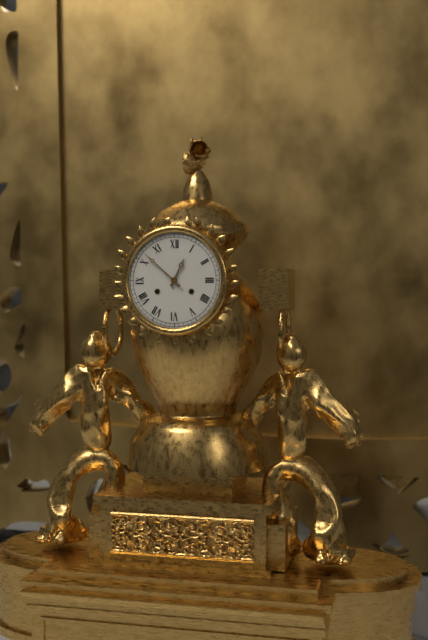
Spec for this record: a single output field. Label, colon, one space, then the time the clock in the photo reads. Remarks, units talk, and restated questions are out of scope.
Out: 12:52
